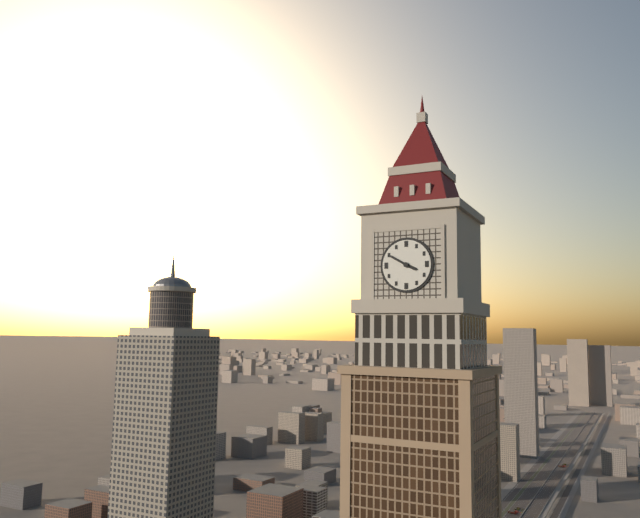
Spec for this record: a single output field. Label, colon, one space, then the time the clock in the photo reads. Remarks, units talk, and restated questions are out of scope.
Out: 3:50
